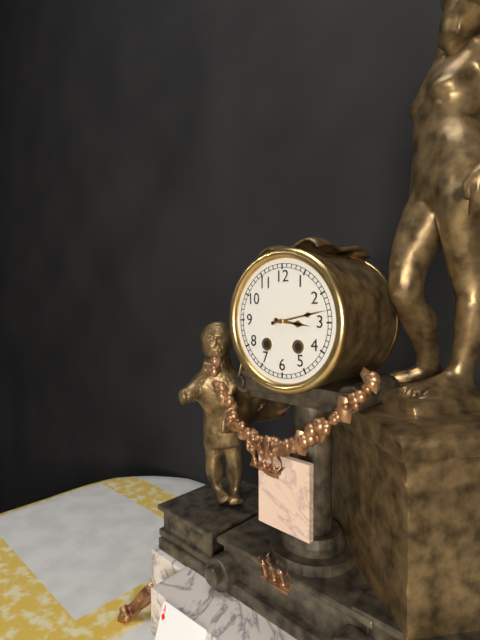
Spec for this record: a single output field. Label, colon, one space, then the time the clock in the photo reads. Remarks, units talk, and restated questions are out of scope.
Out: 3:13
